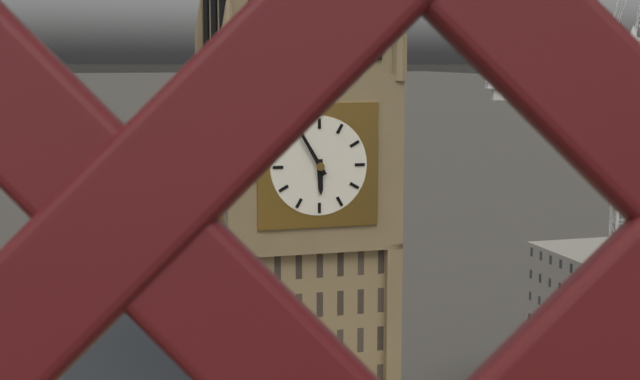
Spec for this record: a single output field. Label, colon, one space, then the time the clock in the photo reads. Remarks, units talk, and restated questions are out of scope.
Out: 5:55
